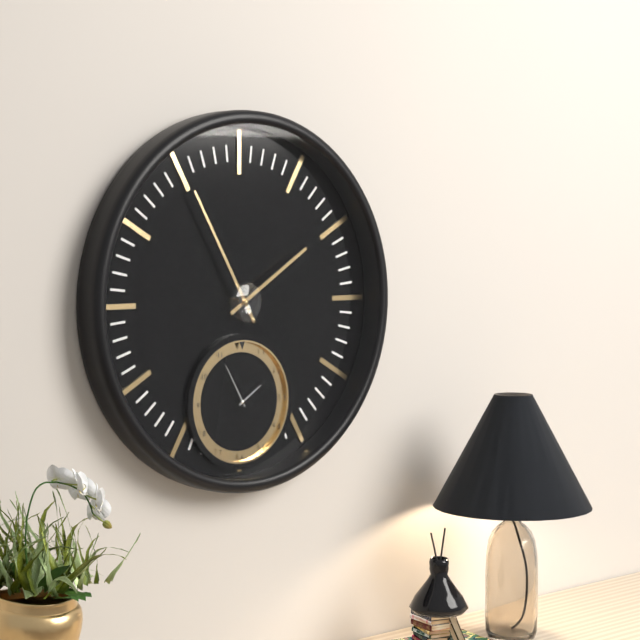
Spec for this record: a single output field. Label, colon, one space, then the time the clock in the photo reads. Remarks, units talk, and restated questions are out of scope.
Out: 1:55
